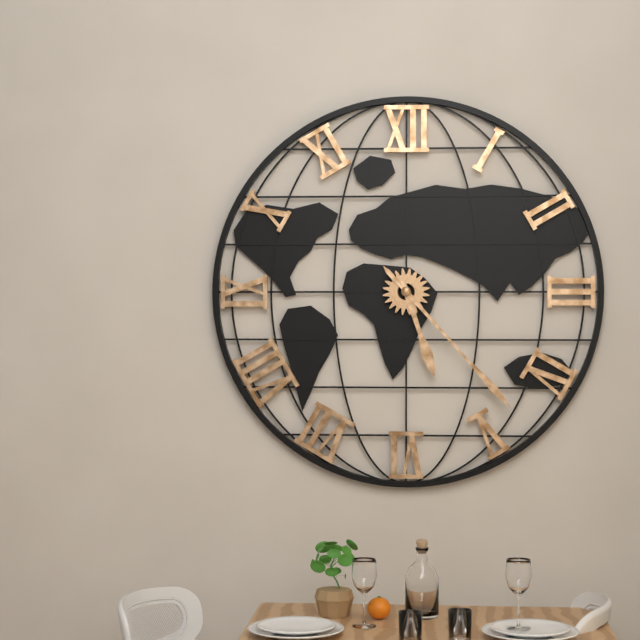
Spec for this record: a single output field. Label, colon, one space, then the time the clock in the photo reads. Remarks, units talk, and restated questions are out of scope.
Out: 5:23
